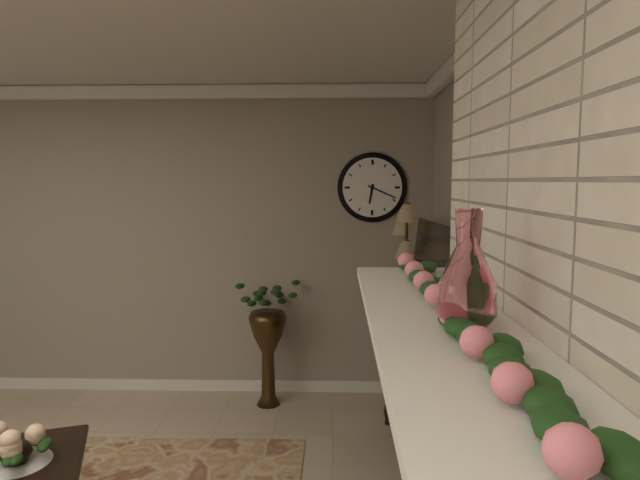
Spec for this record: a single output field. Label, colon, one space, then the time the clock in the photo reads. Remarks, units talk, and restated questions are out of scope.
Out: 6:19
